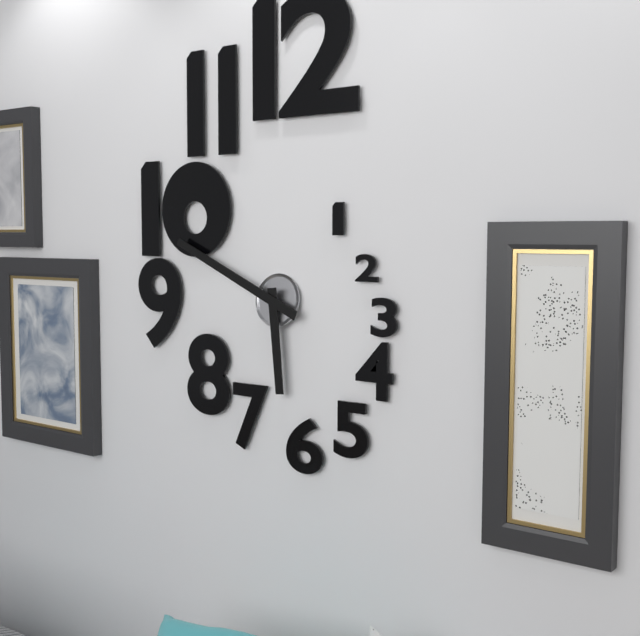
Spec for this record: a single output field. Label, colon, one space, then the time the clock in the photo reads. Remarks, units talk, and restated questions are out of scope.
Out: 5:49
